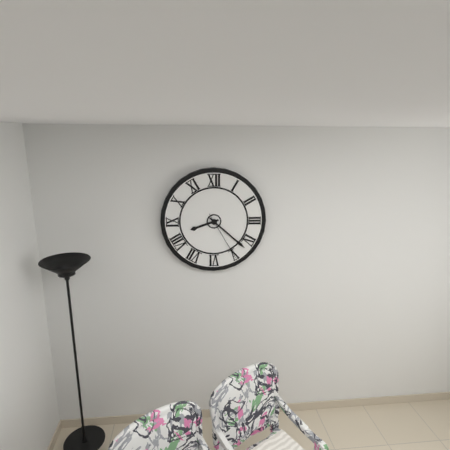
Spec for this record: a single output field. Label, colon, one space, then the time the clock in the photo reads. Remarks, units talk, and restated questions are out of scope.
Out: 8:22:25
